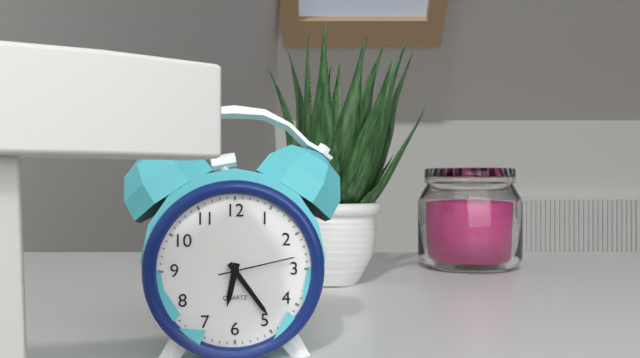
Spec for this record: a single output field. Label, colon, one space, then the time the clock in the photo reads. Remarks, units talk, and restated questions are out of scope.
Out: 6:24:13
